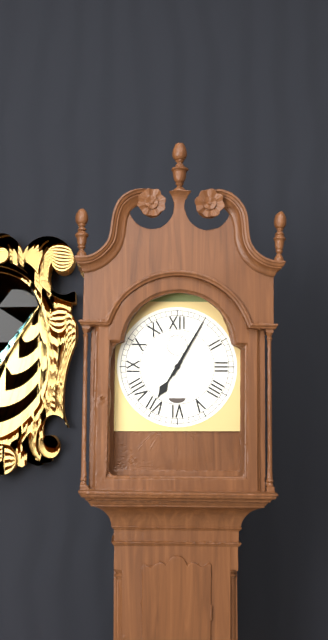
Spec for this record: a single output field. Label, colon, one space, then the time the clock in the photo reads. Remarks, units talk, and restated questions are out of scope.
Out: 7:05
